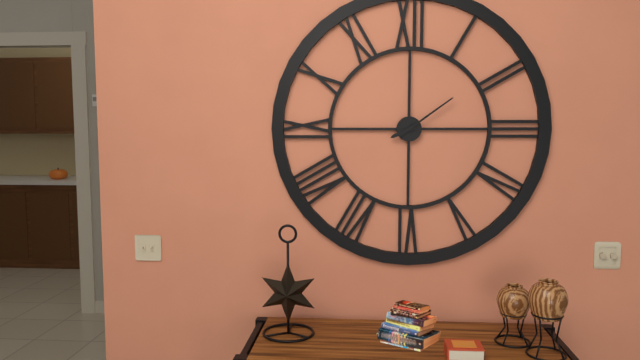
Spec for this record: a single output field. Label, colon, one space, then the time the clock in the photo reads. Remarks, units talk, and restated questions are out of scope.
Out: 8:09
